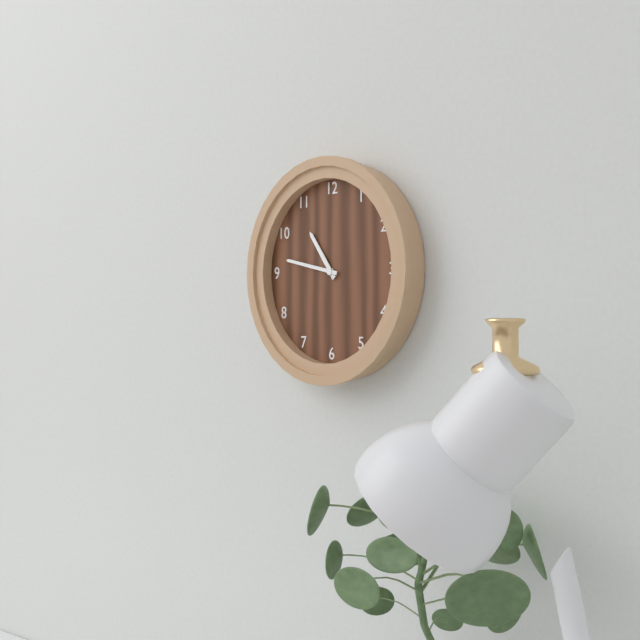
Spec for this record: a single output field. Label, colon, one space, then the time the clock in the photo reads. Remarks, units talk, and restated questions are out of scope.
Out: 10:47
